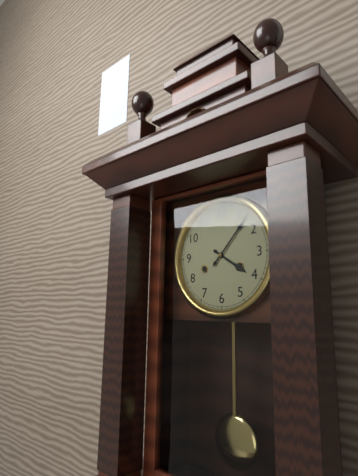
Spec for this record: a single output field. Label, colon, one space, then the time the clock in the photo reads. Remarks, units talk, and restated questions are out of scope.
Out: 4:07
